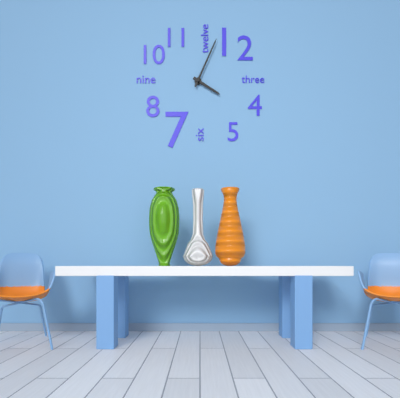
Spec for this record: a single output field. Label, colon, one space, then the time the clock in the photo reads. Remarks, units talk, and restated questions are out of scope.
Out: 4:04
